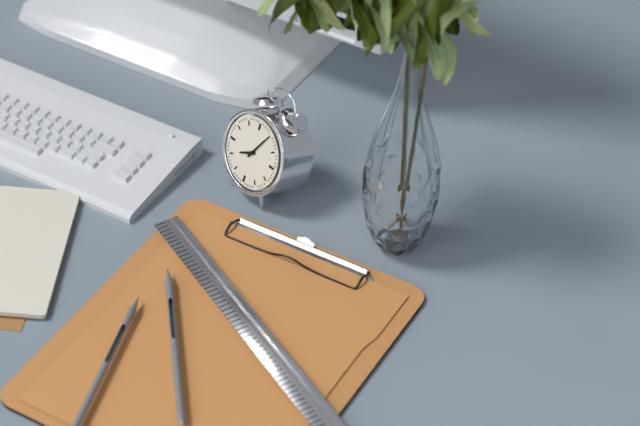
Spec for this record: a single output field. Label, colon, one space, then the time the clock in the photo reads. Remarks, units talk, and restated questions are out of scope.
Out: 8:05
